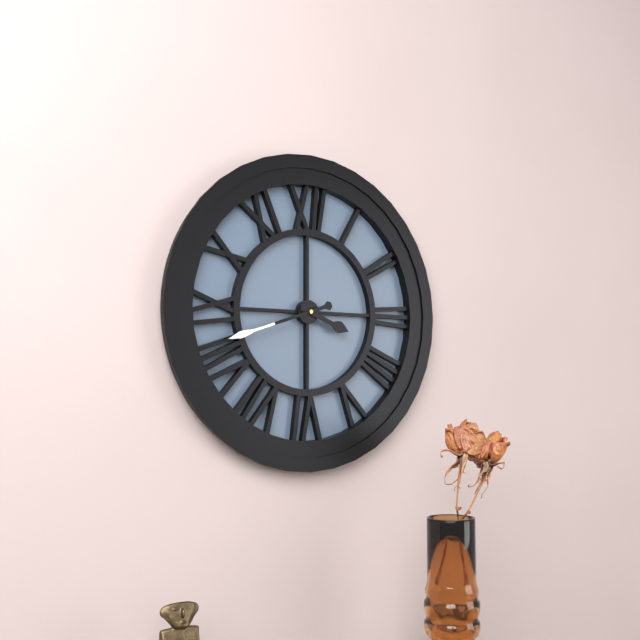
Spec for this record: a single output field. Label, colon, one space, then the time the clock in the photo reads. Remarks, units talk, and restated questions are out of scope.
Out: 3:42
